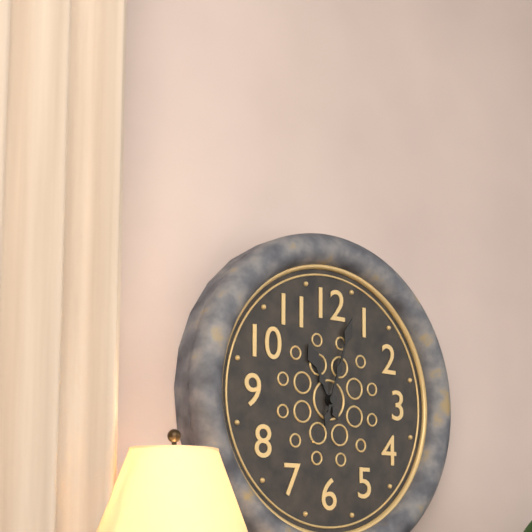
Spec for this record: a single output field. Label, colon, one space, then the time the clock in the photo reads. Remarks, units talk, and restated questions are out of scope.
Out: 11:03
